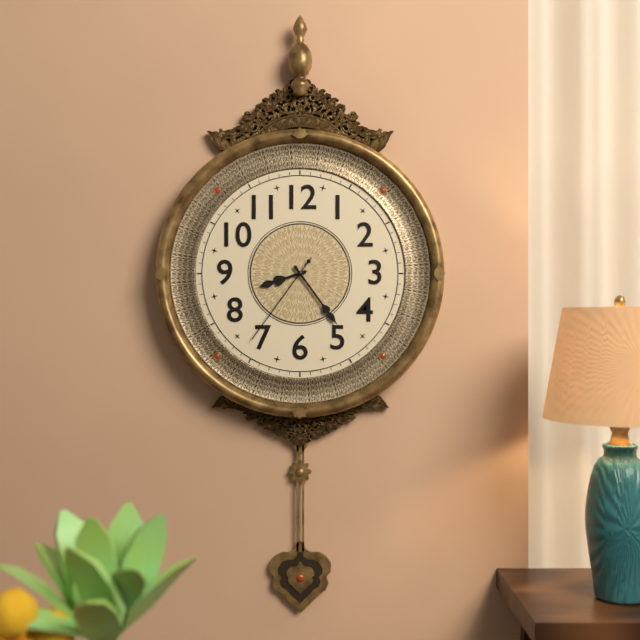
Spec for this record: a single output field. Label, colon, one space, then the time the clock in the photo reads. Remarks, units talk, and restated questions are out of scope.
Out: 8:24:36
